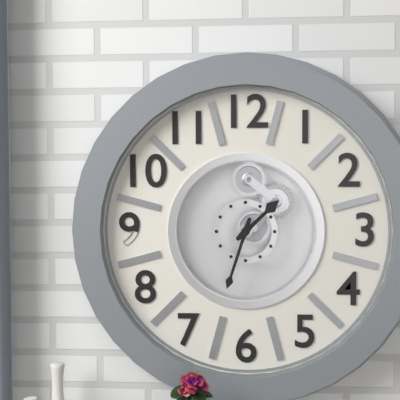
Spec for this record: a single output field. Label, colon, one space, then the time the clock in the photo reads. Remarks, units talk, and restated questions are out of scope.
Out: 1:33
